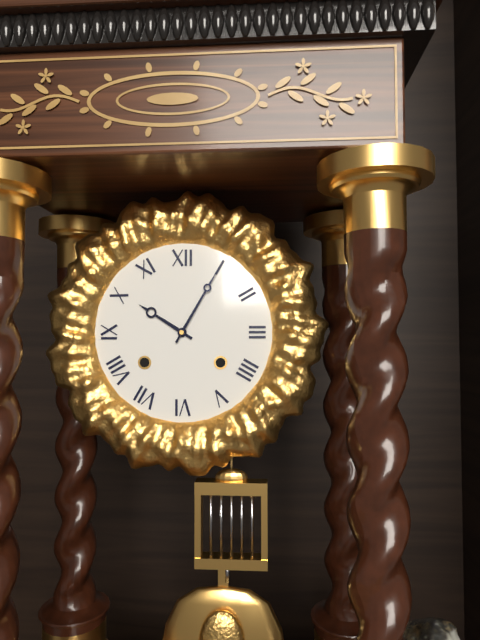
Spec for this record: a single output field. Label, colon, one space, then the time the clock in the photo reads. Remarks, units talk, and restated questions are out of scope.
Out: 10:05
